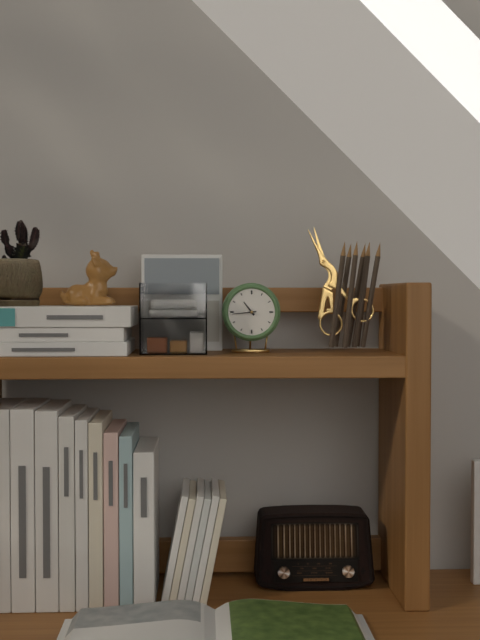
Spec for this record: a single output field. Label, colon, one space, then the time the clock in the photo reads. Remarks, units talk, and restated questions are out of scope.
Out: 10:44
